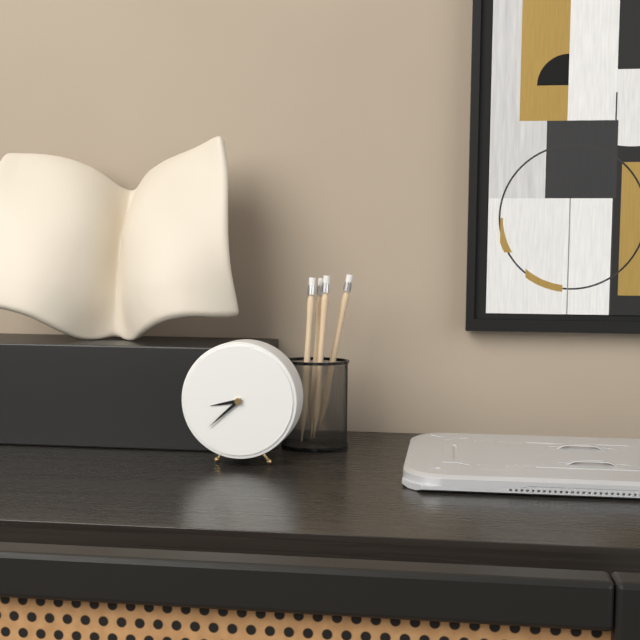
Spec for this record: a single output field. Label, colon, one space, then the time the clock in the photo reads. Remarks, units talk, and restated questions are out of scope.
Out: 8:38
